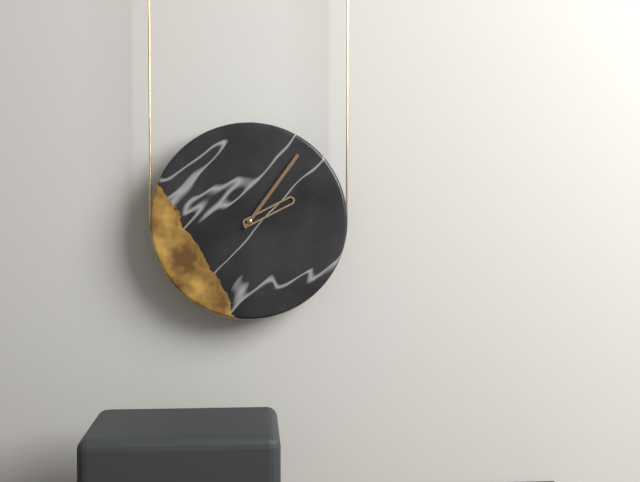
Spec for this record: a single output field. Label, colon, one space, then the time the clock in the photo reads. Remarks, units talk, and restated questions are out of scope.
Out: 2:06
